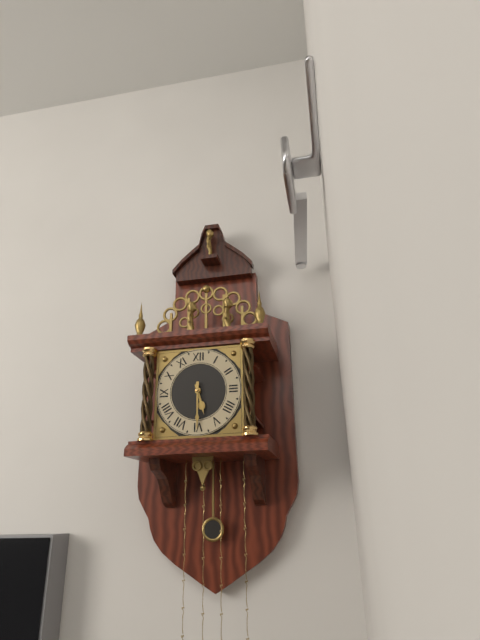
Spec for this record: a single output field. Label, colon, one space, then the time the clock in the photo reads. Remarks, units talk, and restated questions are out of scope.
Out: 5:30
